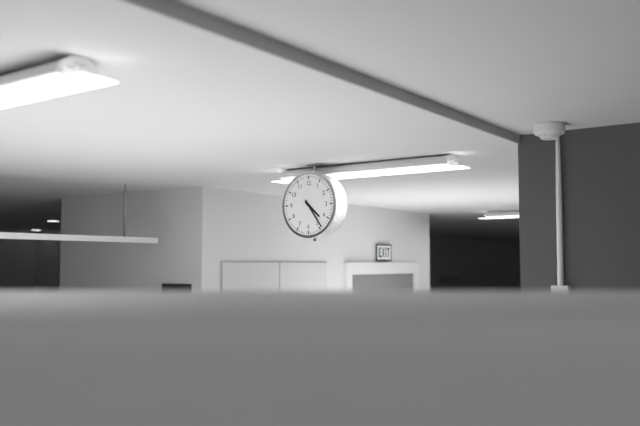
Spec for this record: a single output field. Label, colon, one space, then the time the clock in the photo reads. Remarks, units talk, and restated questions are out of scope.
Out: 4:24
